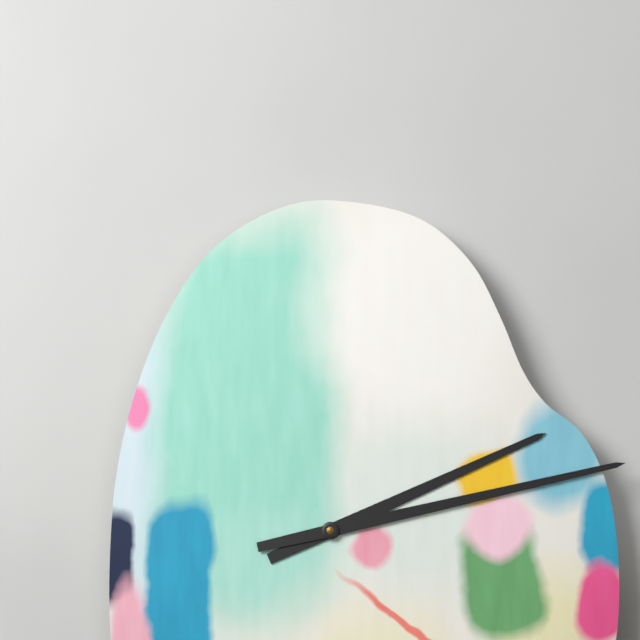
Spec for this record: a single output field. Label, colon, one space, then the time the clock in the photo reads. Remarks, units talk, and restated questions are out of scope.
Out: 2:13
